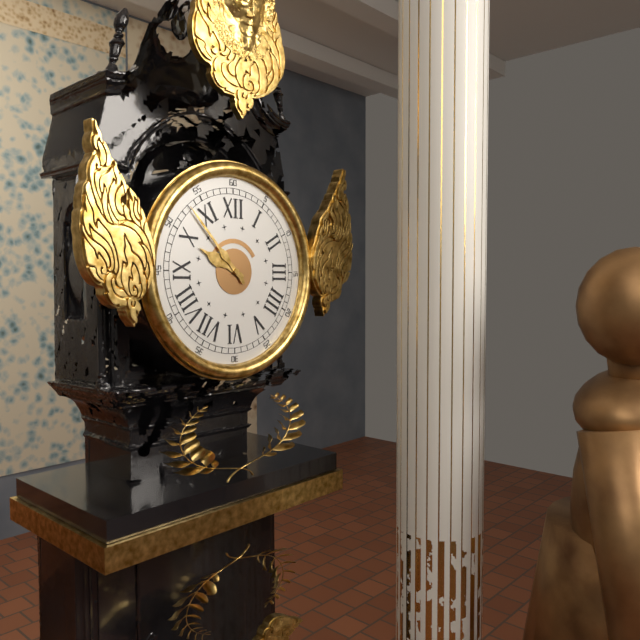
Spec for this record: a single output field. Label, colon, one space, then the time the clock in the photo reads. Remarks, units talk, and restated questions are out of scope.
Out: 9:53
